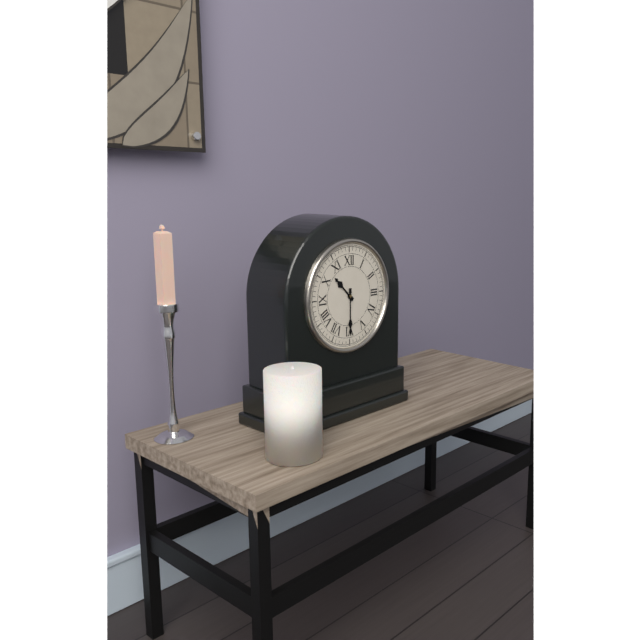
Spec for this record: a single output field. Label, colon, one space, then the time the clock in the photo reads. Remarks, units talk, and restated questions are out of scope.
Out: 10:30
